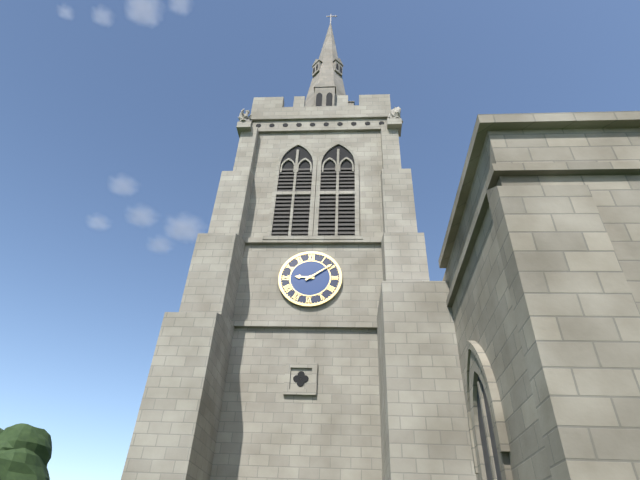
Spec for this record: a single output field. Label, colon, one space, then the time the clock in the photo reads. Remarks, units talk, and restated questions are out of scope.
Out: 9:09
